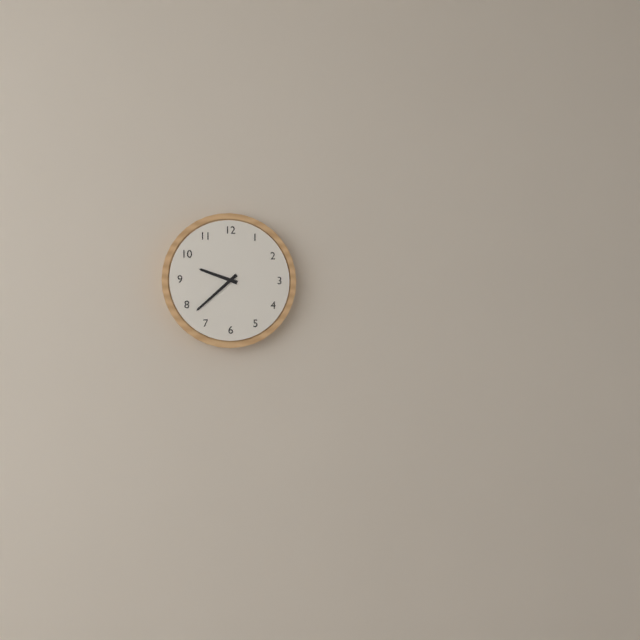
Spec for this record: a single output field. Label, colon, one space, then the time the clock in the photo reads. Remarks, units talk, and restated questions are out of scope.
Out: 9:38
